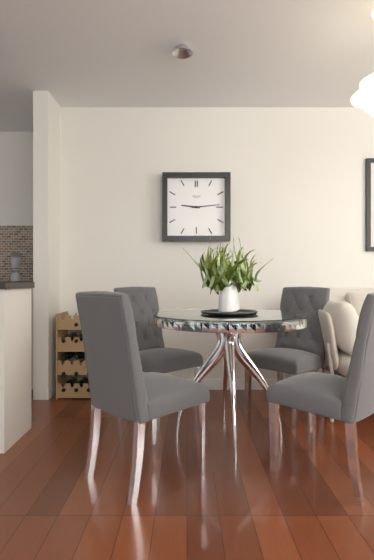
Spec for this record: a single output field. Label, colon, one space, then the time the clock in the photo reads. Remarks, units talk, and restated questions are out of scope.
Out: 9:14
